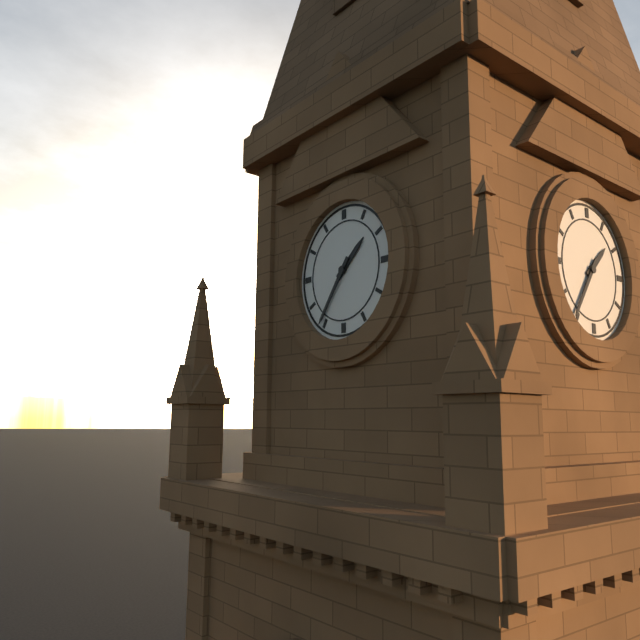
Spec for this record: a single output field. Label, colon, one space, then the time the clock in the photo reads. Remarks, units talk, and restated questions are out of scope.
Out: 1:36
